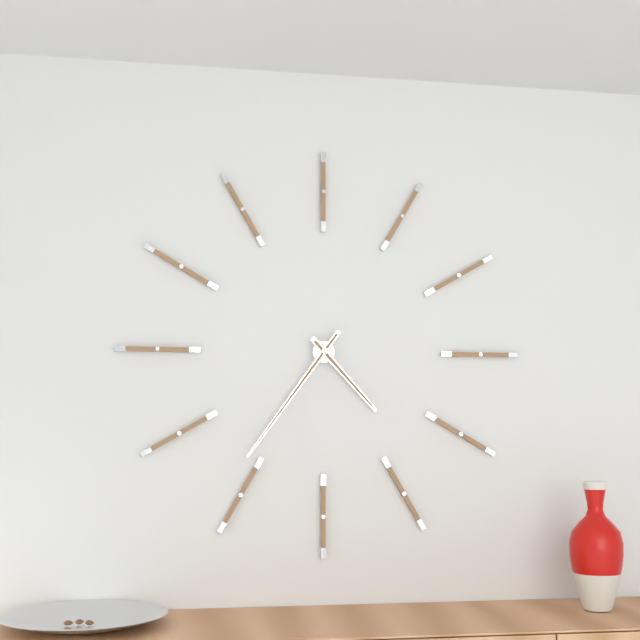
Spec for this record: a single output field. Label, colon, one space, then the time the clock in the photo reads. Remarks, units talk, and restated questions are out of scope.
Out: 4:36
